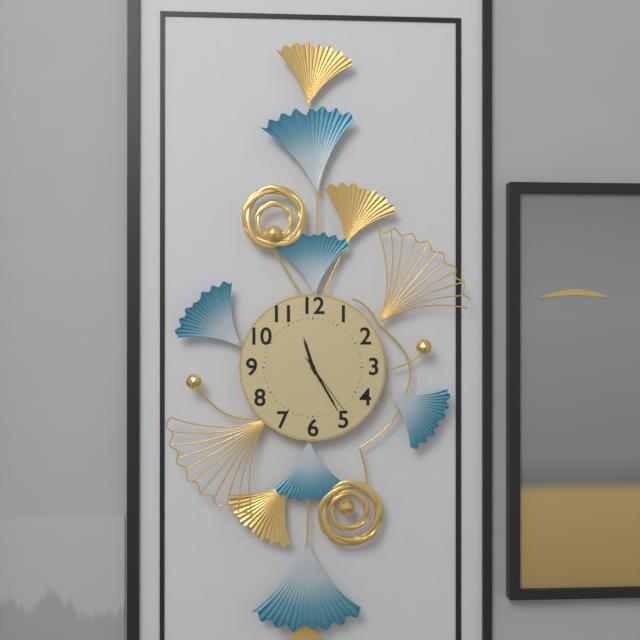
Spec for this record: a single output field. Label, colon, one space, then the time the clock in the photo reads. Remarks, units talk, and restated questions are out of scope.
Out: 11:25:24
